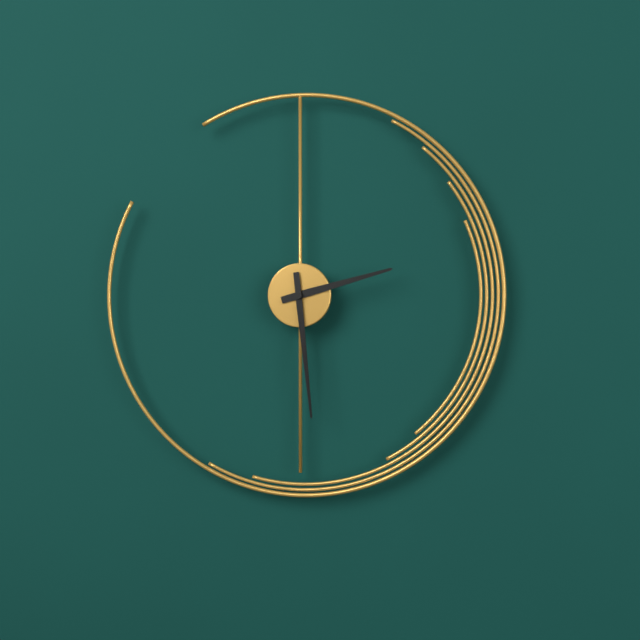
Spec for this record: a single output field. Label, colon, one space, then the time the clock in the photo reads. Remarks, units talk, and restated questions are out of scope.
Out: 2:29
